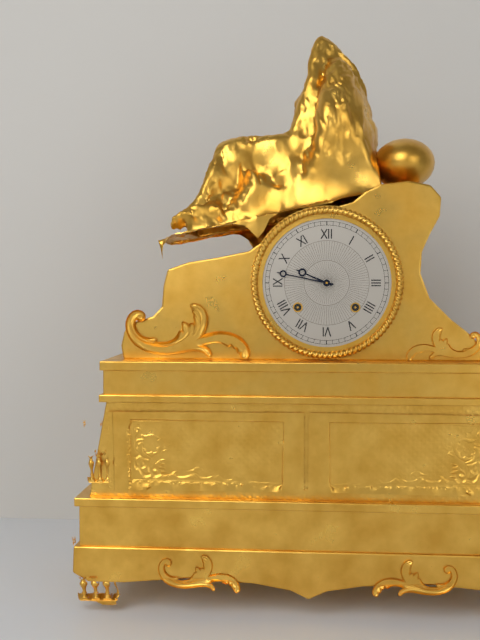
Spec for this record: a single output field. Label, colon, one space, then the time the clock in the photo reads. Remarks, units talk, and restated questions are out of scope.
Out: 9:47
